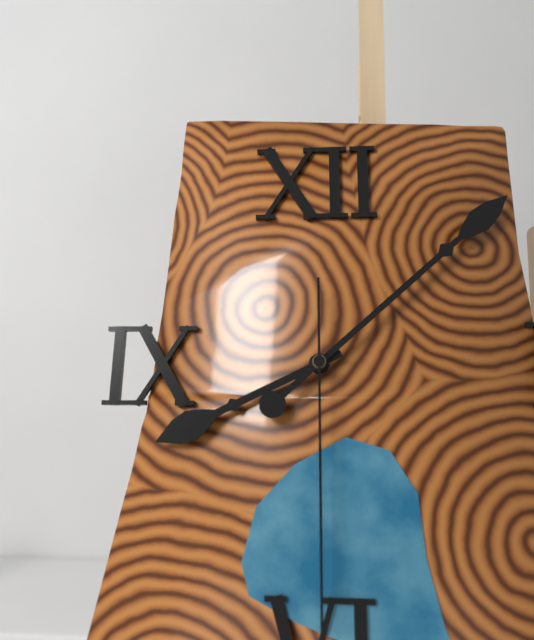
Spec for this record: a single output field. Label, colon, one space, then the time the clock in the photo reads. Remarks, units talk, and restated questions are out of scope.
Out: 8:08:30
